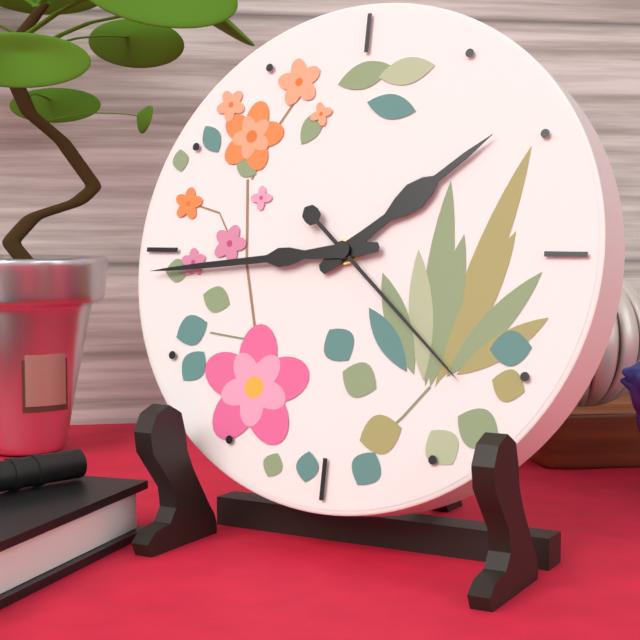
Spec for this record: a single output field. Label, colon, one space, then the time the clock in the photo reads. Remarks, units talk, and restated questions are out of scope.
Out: 1:44:22
